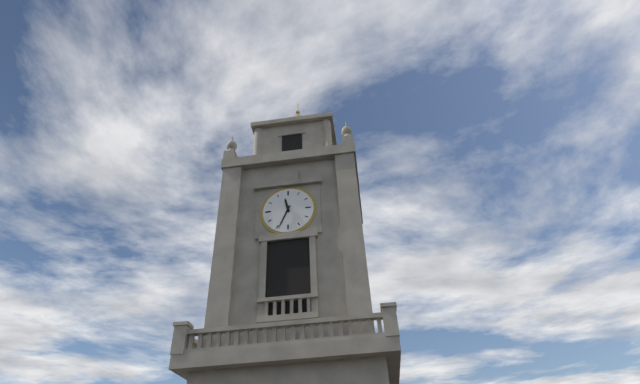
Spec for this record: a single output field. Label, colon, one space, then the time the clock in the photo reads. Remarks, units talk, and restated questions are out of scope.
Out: 11:34
